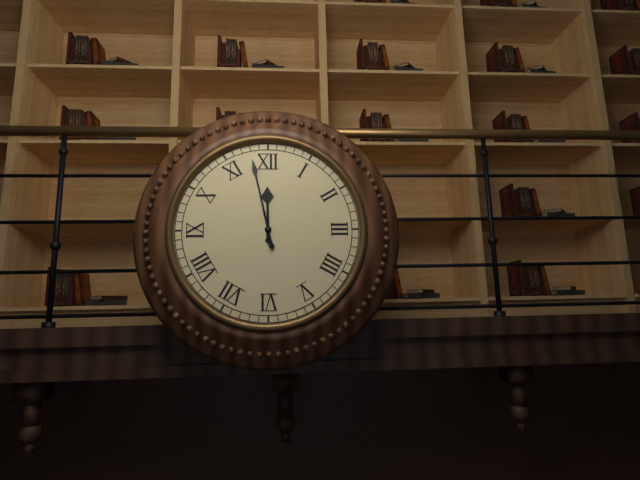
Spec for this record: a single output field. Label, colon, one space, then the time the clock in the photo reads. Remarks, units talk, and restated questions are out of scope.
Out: 11:58
